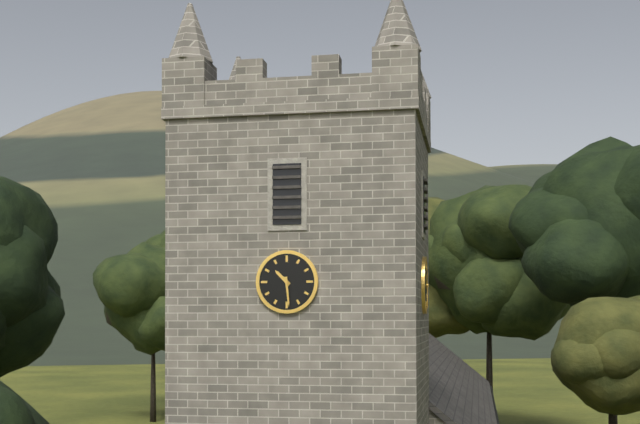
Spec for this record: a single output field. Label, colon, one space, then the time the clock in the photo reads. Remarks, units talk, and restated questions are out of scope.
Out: 10:29
